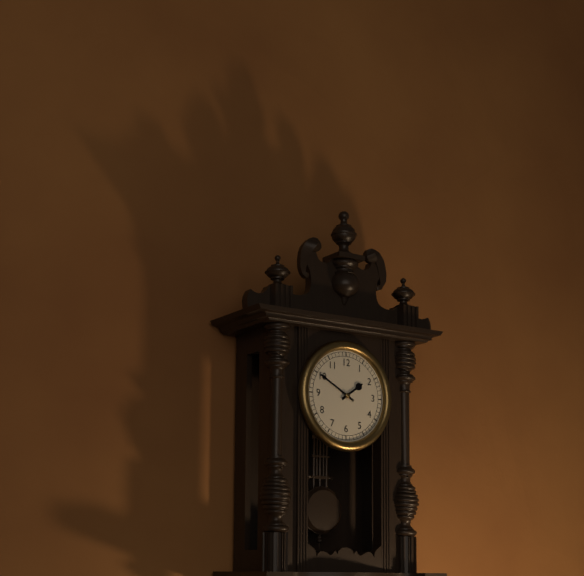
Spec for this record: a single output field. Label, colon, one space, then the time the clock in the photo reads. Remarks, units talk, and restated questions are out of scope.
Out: 1:50
